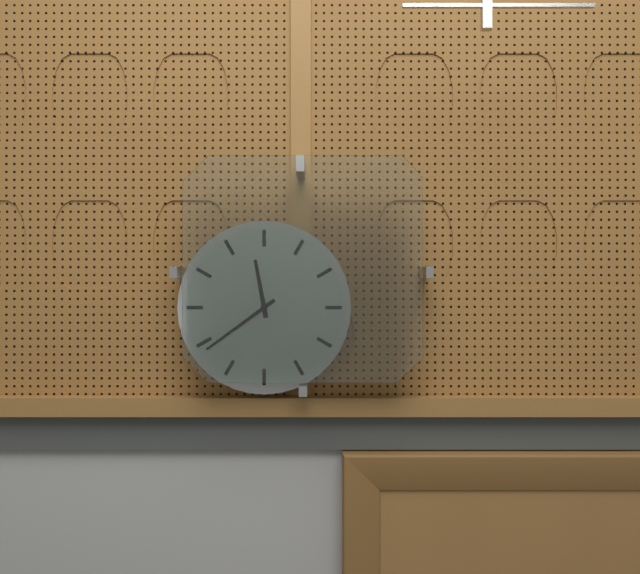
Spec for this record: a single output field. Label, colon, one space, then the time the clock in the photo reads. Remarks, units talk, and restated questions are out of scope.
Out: 11:39
